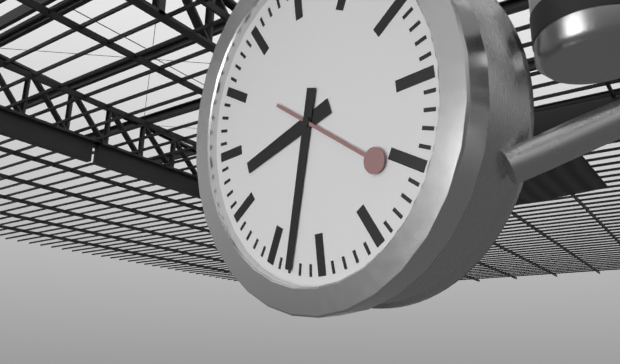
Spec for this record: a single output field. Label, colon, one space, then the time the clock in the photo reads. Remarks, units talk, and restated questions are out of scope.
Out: 8:33:21
